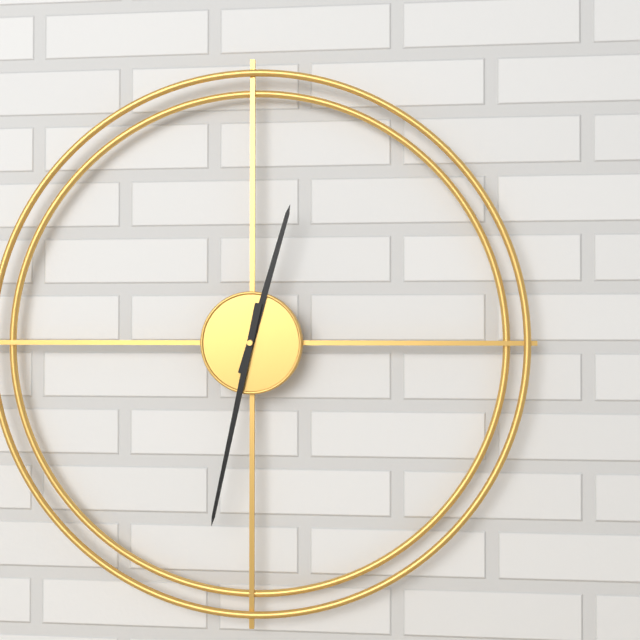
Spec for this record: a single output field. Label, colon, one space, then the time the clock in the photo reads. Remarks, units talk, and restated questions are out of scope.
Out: 12:32
